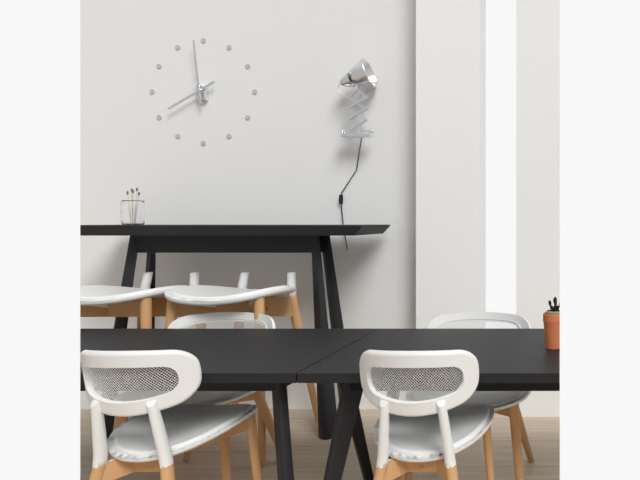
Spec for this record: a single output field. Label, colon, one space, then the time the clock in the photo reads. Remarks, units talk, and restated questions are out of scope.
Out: 7:59
